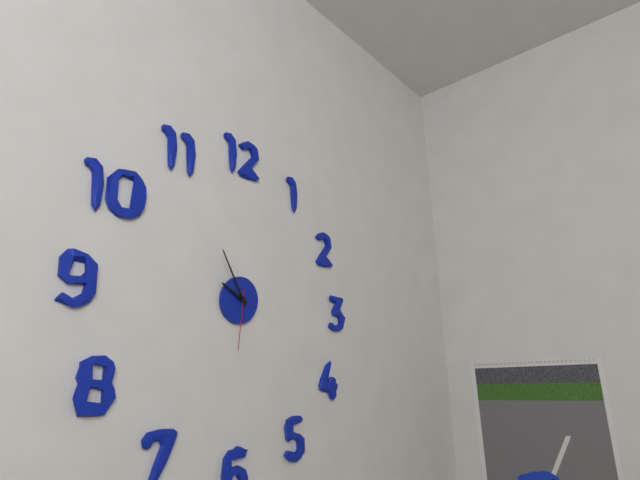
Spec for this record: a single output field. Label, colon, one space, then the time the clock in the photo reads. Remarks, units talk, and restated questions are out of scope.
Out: 9:55:31
